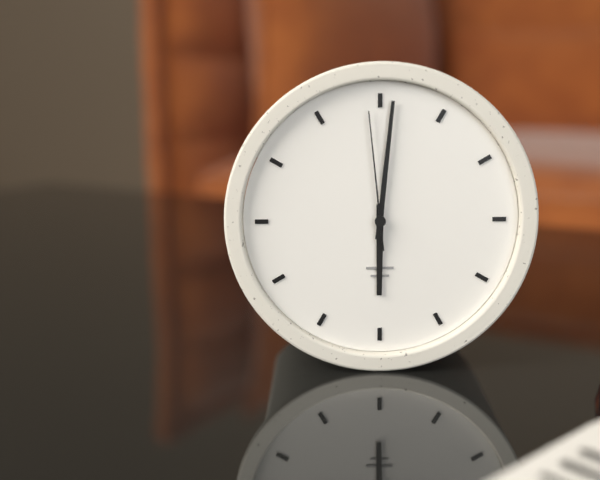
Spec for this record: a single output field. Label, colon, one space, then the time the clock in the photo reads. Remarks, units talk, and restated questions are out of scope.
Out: 6:01:59
